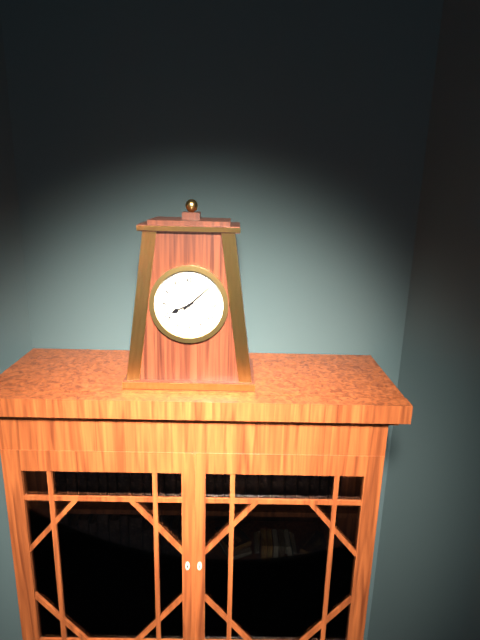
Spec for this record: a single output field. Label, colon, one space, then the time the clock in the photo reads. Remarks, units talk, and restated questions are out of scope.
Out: 8:08
